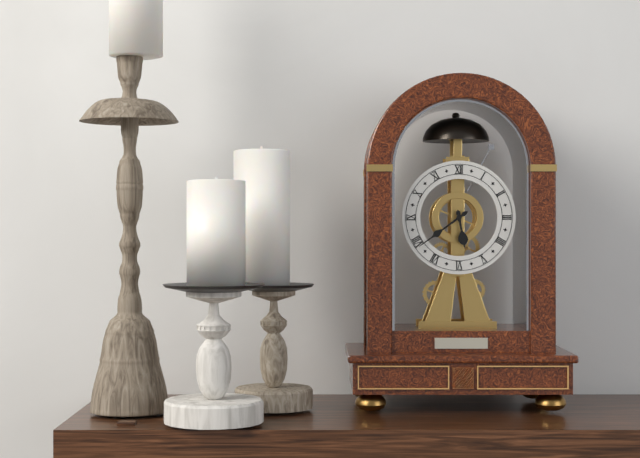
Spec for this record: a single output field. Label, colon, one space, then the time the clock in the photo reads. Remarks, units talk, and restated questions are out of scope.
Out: 5:39
